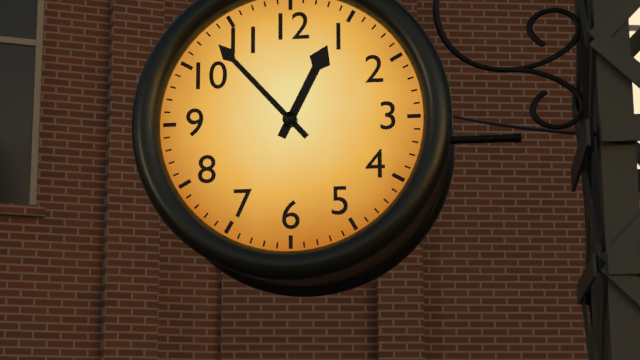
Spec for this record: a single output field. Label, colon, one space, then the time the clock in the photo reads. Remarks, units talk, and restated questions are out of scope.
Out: 12:53
